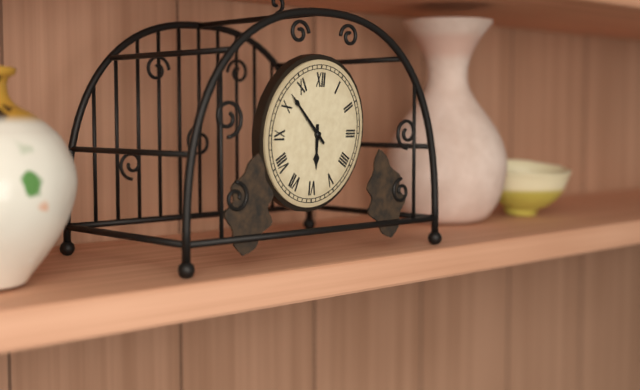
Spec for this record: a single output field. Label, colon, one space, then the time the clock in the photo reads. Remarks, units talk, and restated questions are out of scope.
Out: 5:52
